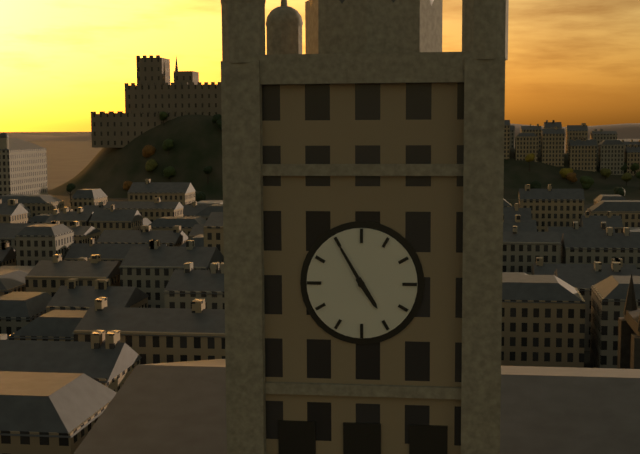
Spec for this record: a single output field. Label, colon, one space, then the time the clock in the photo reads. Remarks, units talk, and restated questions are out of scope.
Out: 4:55
